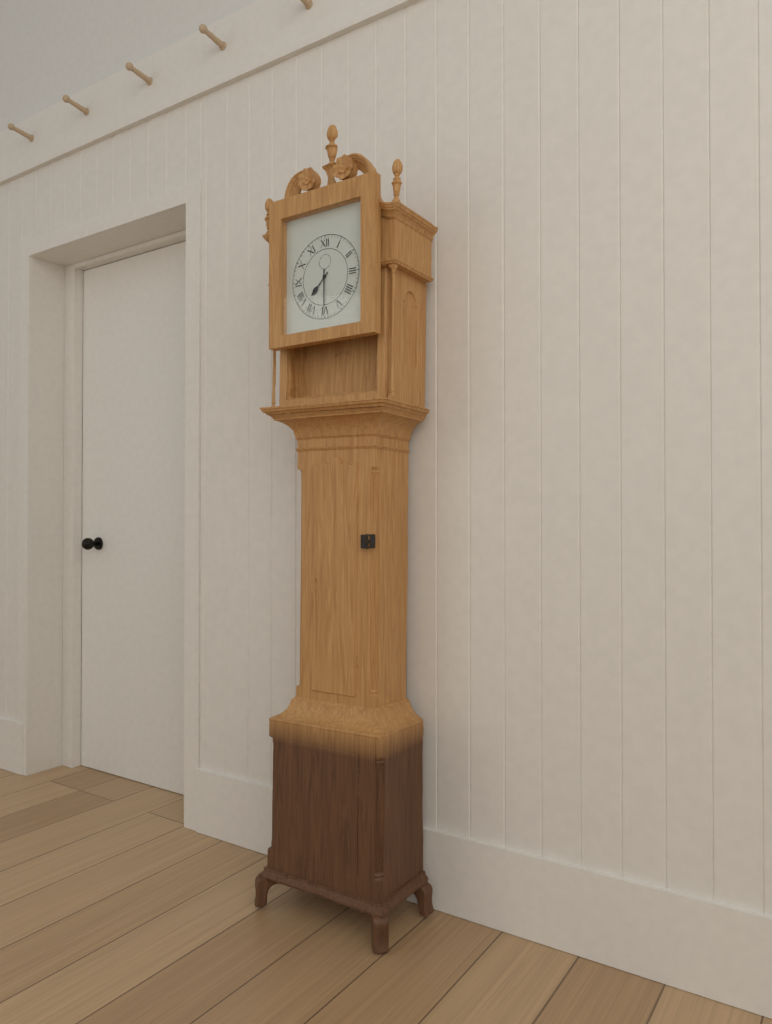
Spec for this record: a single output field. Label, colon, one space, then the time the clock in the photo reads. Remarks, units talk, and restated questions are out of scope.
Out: 7:30
